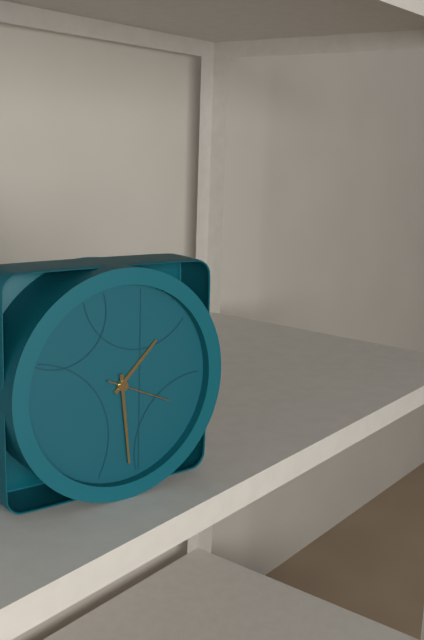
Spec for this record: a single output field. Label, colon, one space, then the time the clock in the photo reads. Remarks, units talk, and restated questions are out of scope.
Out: 1:29:19
